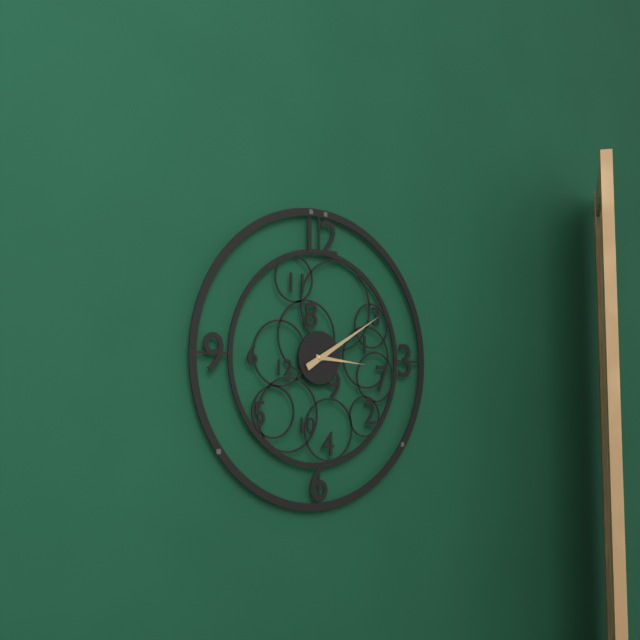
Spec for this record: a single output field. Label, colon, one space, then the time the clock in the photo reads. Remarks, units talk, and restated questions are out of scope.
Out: 3:10
